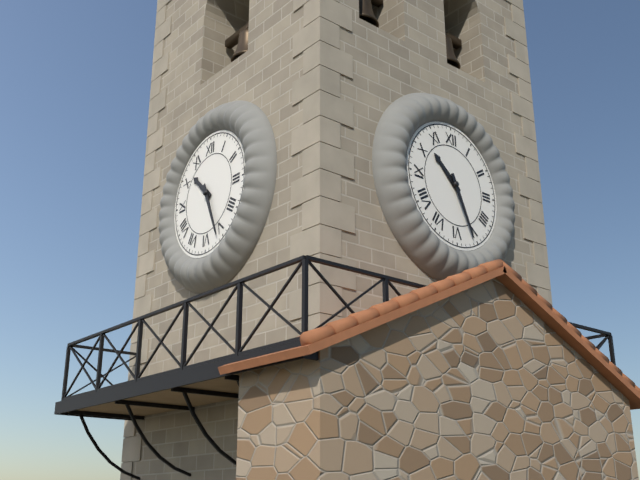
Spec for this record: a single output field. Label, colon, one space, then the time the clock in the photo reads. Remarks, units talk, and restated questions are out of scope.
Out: 10:26
